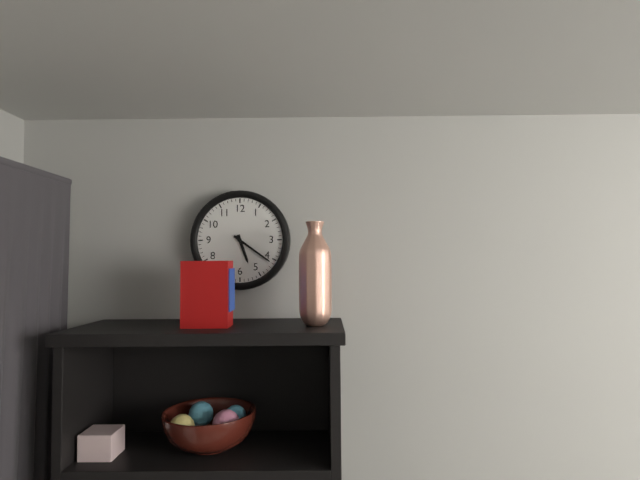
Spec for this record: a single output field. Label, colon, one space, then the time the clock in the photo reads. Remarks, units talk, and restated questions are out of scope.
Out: 5:21
